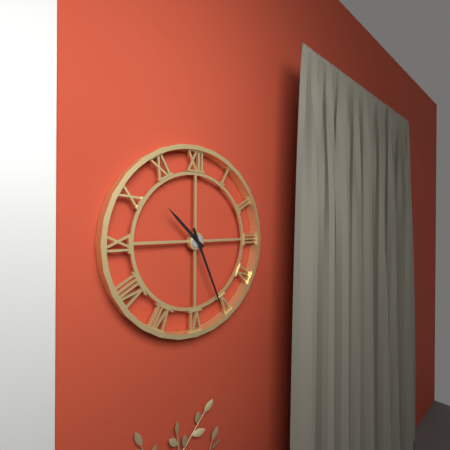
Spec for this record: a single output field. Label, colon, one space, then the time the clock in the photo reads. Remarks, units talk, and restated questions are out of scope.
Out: 10:26
